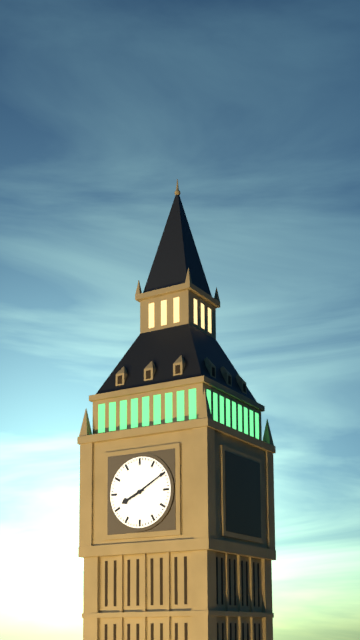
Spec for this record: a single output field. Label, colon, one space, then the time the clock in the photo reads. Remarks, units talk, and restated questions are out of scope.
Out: 8:10
